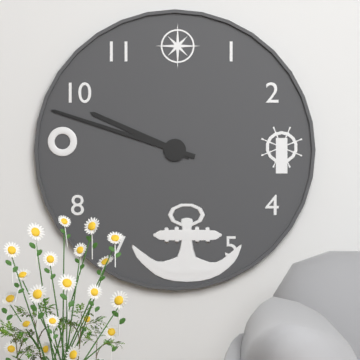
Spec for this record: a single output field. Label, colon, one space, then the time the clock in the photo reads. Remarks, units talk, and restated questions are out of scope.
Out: 9:48
